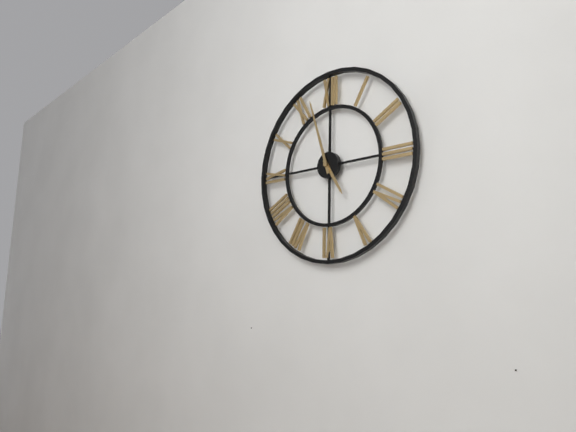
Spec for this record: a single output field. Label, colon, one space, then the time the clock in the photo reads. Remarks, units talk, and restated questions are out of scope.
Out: 4:57
